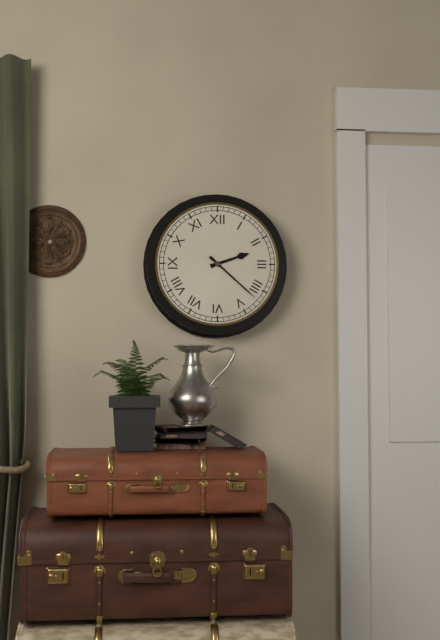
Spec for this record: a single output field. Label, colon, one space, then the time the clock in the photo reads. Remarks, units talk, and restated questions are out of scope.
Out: 2:22
